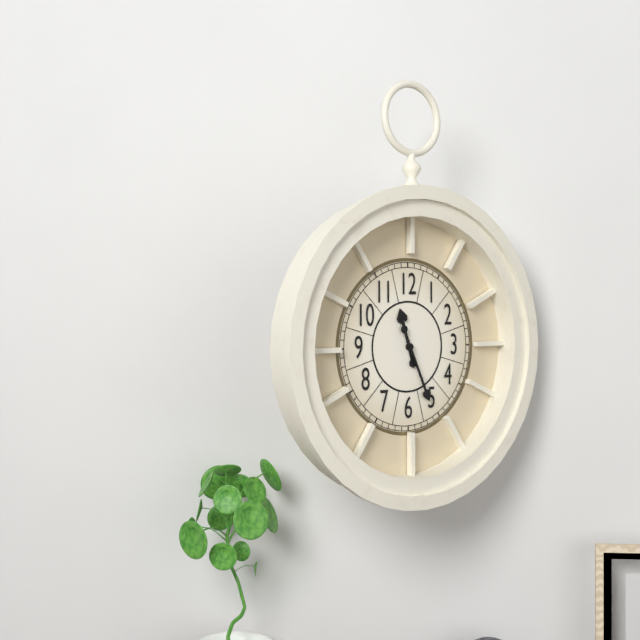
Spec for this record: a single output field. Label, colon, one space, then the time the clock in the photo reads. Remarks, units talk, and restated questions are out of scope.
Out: 11:26
